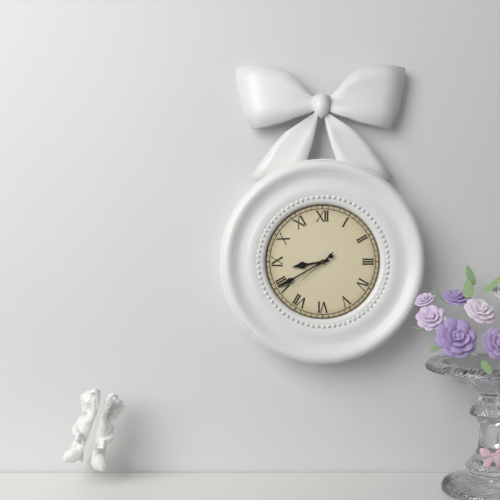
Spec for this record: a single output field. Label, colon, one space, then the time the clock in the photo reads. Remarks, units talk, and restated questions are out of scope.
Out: 8:40:38
